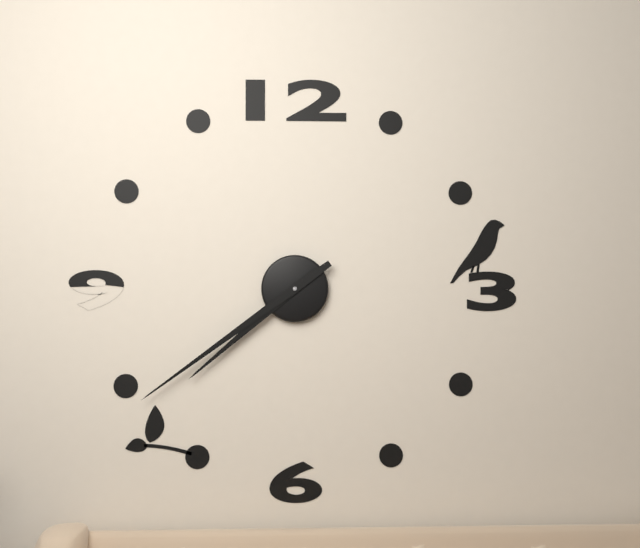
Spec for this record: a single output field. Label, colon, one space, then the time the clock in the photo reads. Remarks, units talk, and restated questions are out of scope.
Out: 7:39
